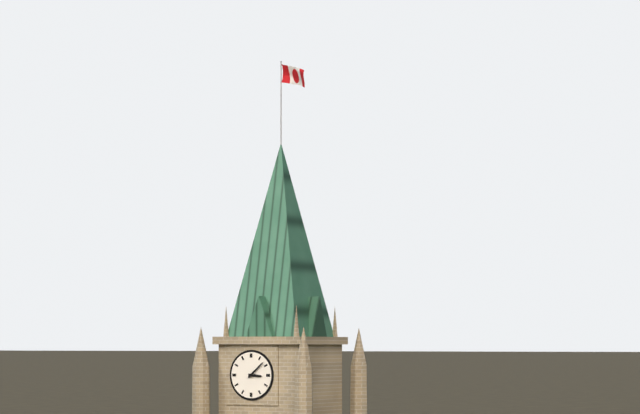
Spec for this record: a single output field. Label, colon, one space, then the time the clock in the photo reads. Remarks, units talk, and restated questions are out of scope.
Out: 3:08
